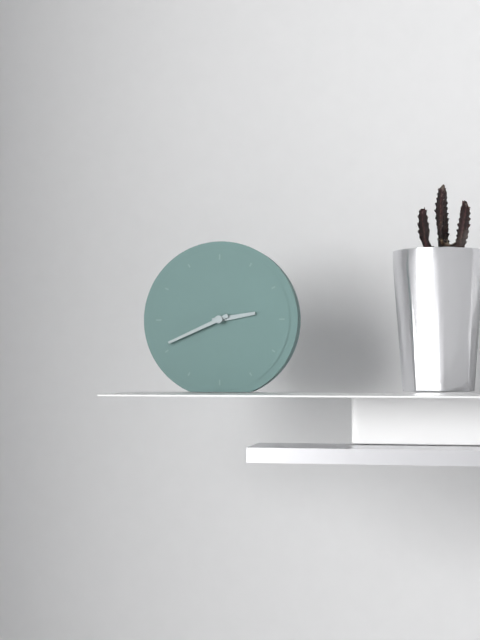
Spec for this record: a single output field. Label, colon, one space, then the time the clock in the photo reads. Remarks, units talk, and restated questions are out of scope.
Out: 2:41
